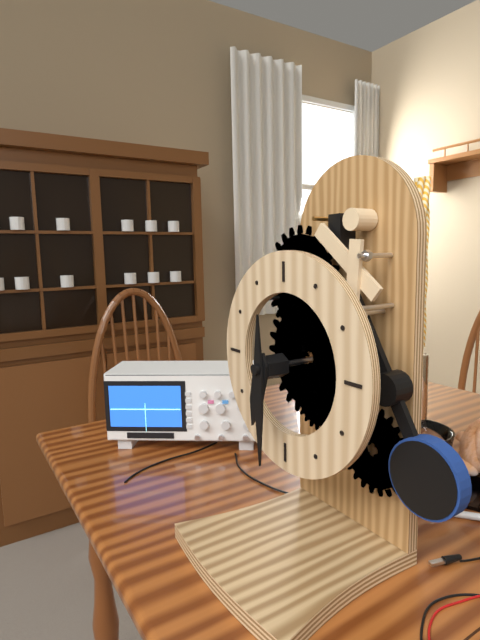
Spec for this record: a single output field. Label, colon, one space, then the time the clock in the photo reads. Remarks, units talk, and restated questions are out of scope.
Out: 6:30
